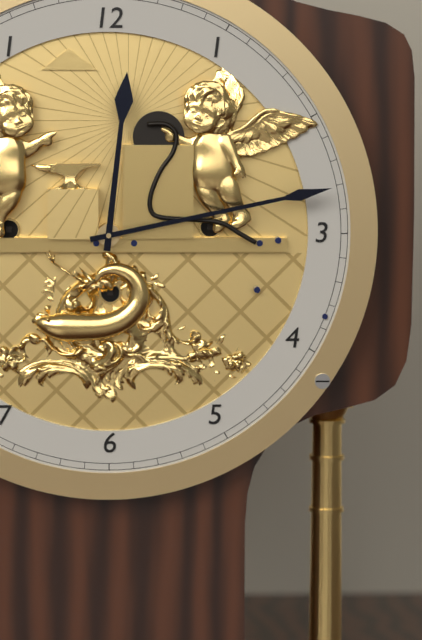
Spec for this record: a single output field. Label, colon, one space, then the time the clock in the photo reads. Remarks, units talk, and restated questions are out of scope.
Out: 12:13
